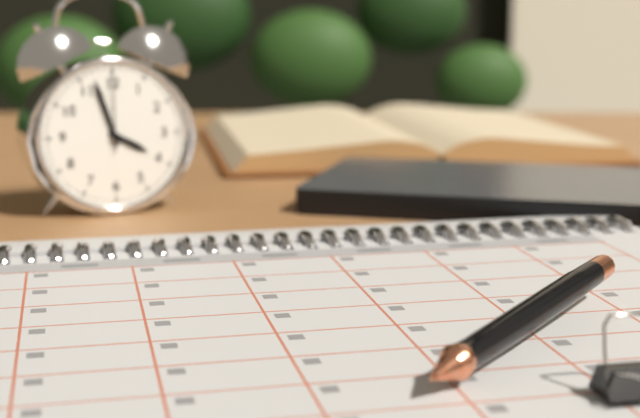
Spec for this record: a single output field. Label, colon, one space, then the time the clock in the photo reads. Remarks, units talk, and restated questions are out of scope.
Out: 3:57:00
